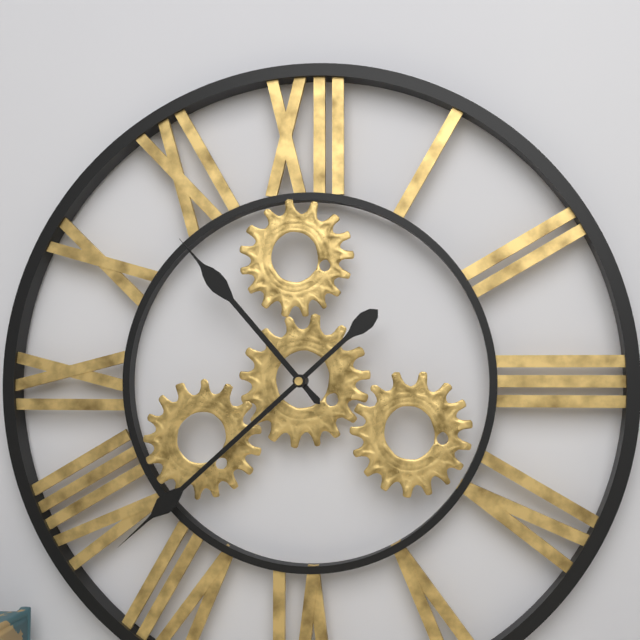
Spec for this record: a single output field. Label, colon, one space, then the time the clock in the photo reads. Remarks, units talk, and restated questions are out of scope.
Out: 10:38
